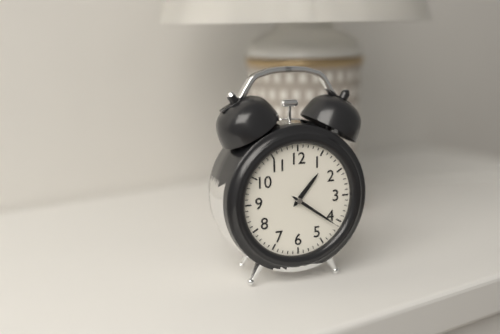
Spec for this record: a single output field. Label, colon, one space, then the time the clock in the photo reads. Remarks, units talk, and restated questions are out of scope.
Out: 1:21
